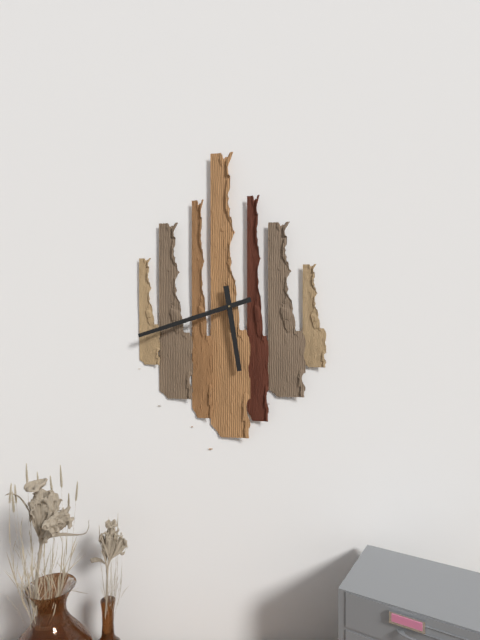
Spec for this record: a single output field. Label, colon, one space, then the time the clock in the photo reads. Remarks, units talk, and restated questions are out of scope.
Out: 5:42
